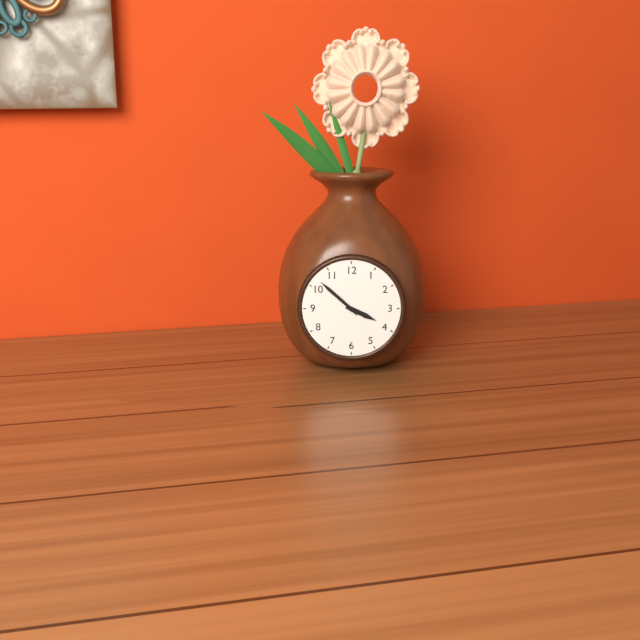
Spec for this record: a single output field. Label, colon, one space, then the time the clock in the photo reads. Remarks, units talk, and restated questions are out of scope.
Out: 3:52
